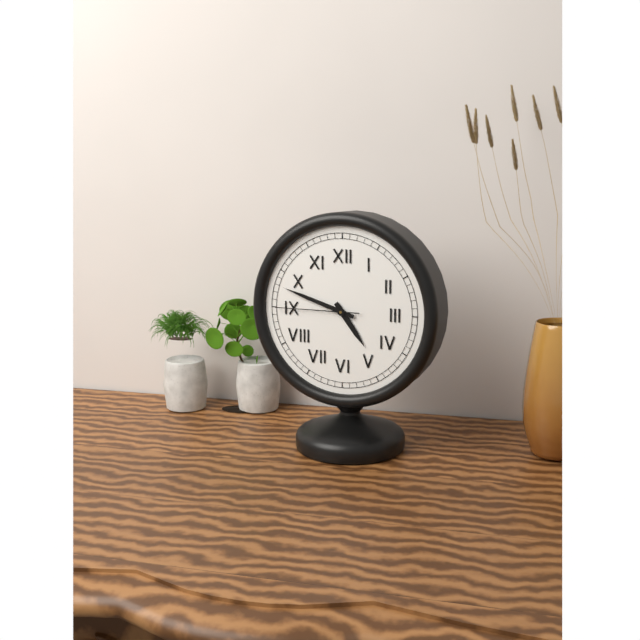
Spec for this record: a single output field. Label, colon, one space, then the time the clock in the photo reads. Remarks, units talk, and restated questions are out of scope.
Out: 4:48:45
